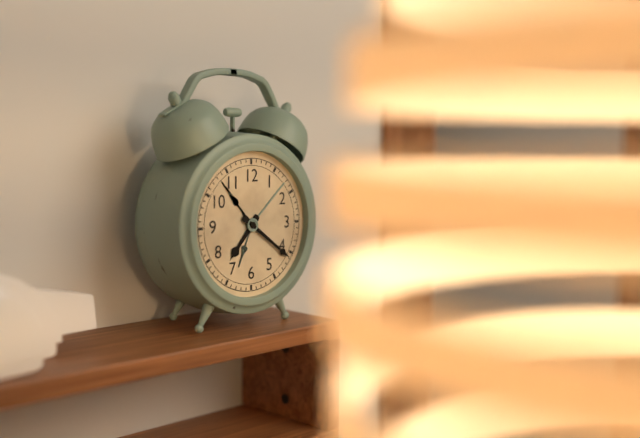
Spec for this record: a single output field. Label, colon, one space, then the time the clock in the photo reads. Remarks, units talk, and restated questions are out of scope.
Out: 7:21
